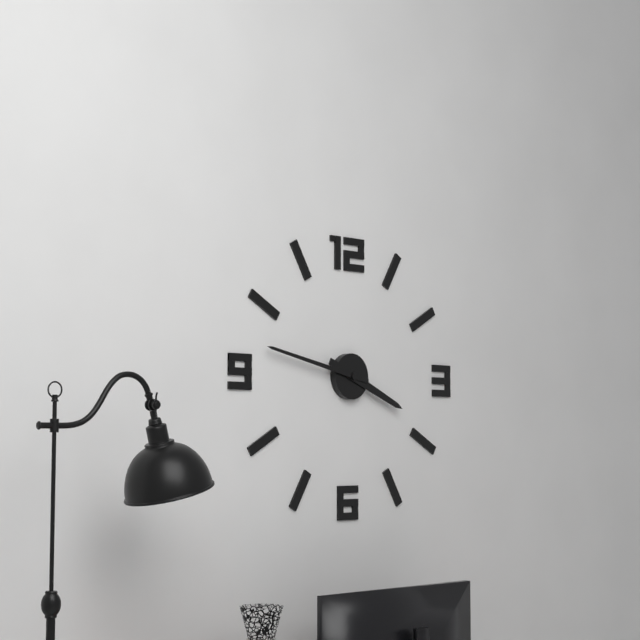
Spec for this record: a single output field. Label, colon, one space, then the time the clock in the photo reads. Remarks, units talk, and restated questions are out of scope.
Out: 3:47
